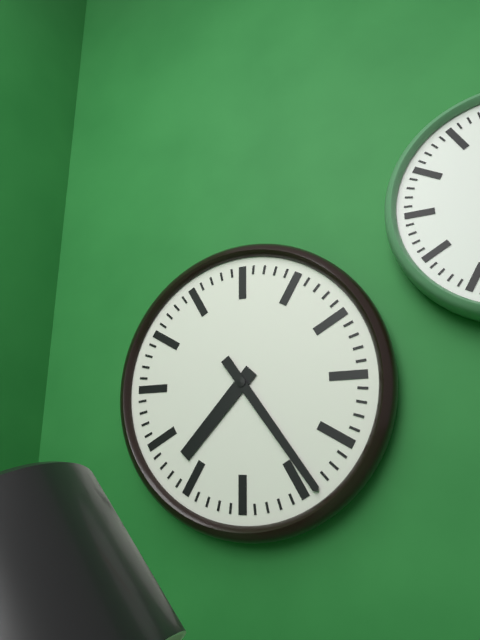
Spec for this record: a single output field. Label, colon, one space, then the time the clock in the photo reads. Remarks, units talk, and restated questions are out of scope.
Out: 7:24
